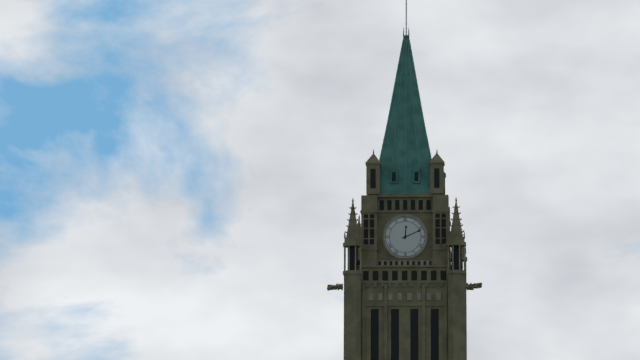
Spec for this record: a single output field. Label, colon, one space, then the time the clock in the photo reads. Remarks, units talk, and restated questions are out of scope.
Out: 12:11
